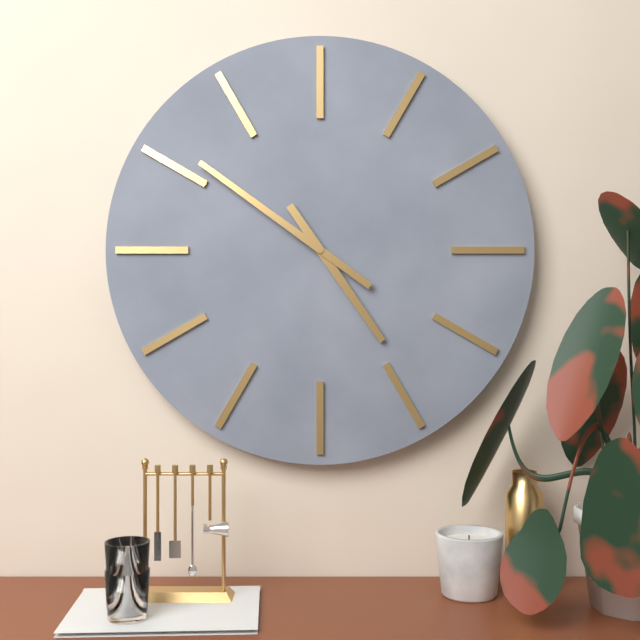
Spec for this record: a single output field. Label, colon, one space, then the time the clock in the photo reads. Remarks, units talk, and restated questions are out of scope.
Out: 4:51
